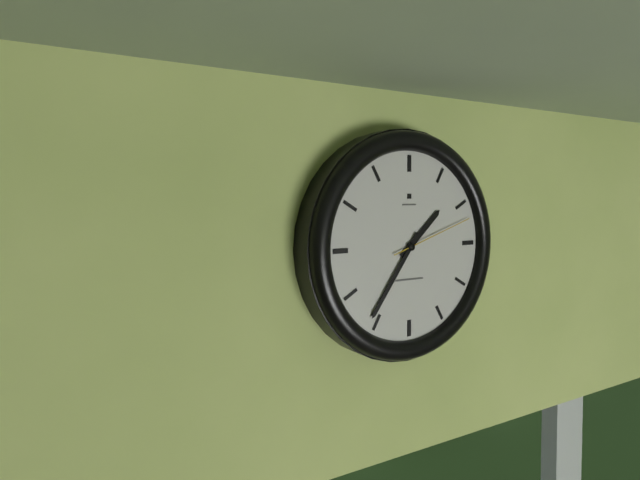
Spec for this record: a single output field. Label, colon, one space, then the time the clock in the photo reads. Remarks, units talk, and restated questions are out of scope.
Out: 1:36:12
